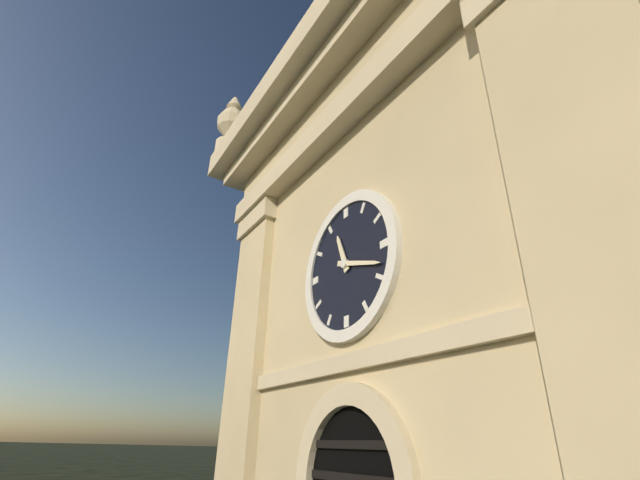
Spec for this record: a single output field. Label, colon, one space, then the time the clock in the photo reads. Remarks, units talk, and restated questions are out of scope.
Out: 11:18
